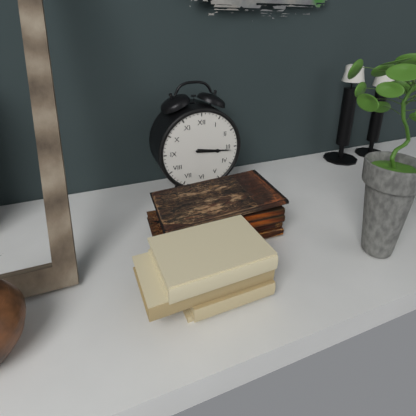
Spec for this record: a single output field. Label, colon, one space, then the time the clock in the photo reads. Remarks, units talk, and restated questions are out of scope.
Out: 3:16
